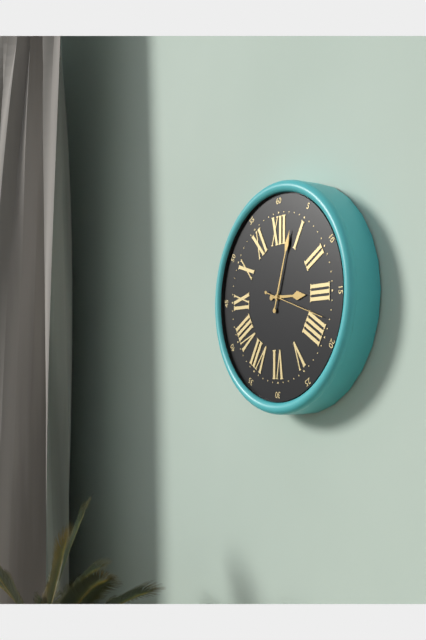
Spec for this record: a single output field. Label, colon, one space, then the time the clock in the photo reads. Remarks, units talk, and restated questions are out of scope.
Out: 3:03
